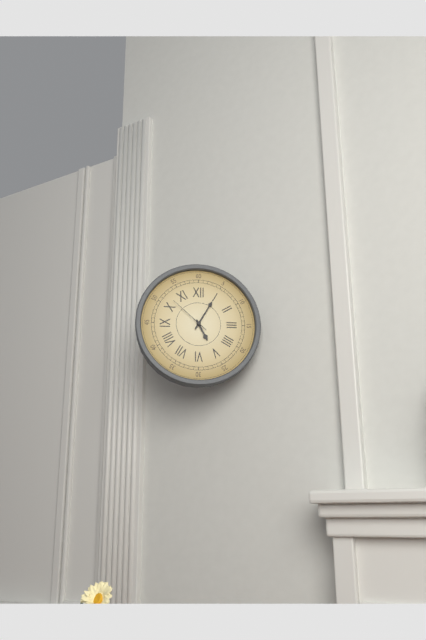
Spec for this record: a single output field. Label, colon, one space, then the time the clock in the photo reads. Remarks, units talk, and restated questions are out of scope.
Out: 5:05
